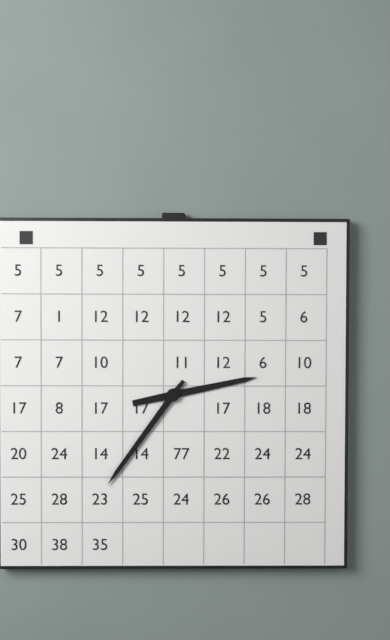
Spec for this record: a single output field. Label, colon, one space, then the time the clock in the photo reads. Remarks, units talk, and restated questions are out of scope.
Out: 2:36
